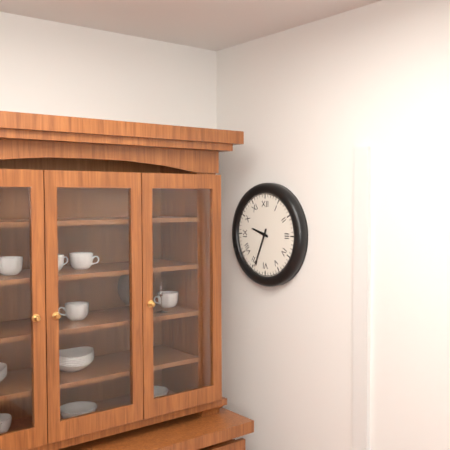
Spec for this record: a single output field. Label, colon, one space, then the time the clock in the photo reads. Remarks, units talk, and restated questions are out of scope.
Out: 9:34
